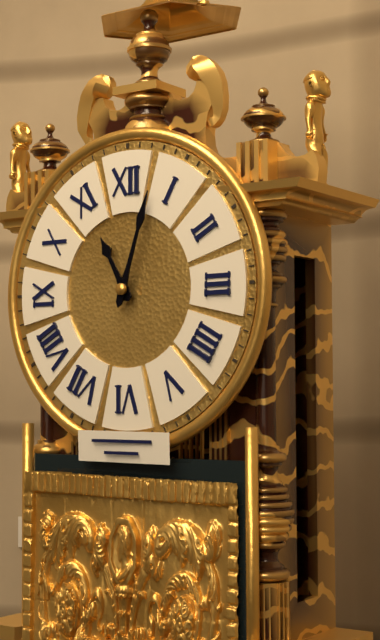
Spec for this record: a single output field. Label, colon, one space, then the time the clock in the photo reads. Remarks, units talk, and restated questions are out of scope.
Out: 11:03
